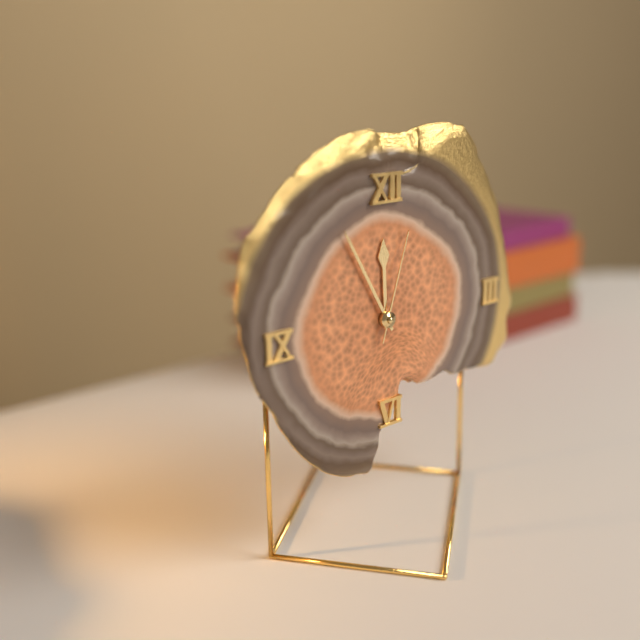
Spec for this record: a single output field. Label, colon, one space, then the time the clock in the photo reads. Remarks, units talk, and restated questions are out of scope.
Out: 11:55:03
